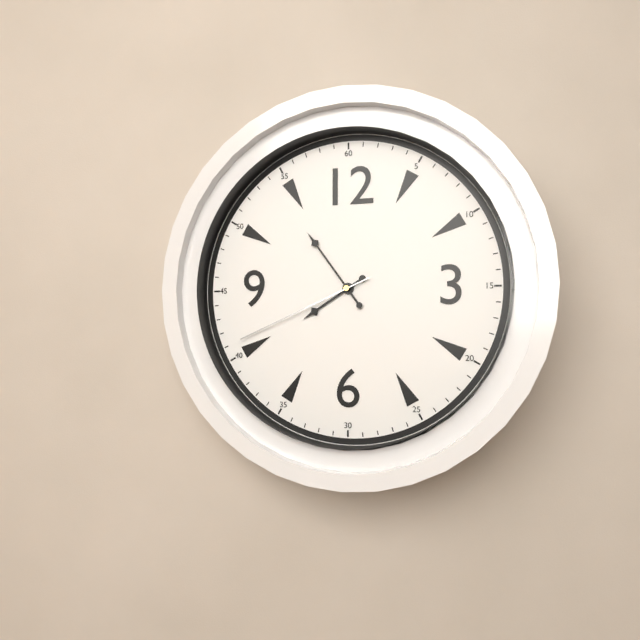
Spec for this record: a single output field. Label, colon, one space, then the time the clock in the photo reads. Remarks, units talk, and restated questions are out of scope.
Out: 7:54:41
